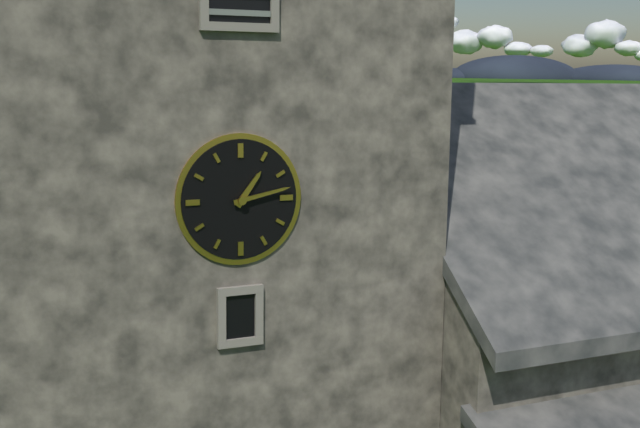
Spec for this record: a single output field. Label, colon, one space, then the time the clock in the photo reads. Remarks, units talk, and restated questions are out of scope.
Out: 1:13
